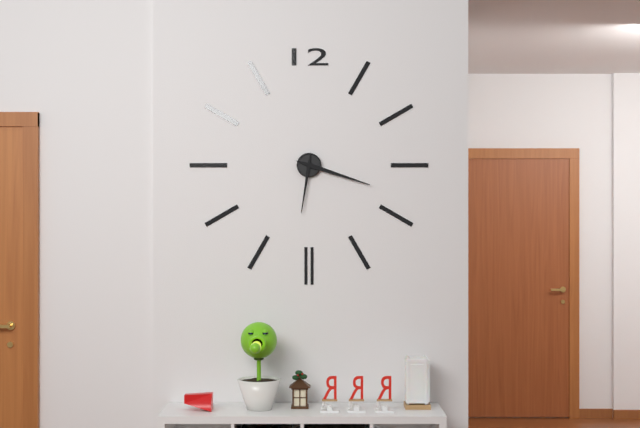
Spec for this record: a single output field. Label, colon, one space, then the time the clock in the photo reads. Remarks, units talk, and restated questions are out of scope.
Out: 6:18
